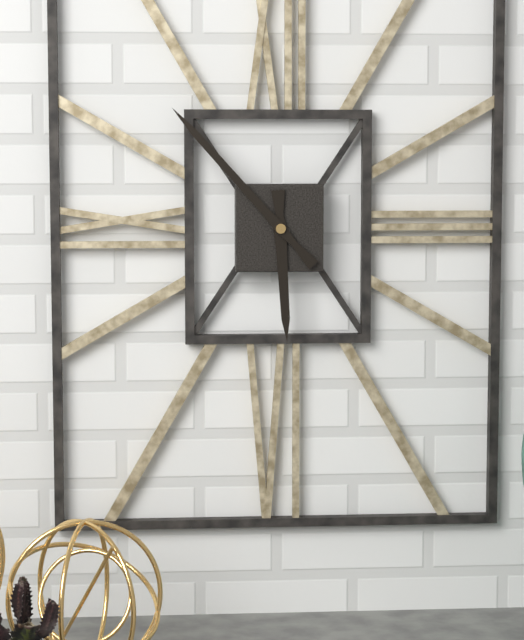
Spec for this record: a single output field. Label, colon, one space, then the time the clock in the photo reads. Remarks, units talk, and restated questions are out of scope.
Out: 5:53
